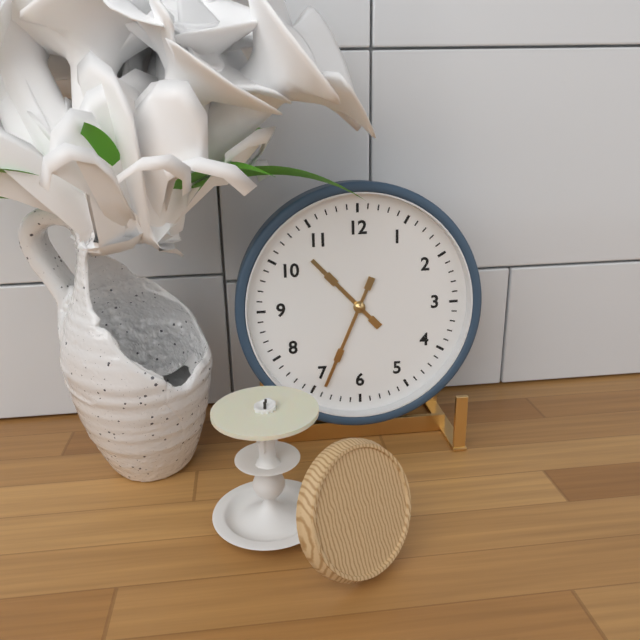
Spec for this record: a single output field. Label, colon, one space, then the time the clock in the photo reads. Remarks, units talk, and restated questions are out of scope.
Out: 10:34
